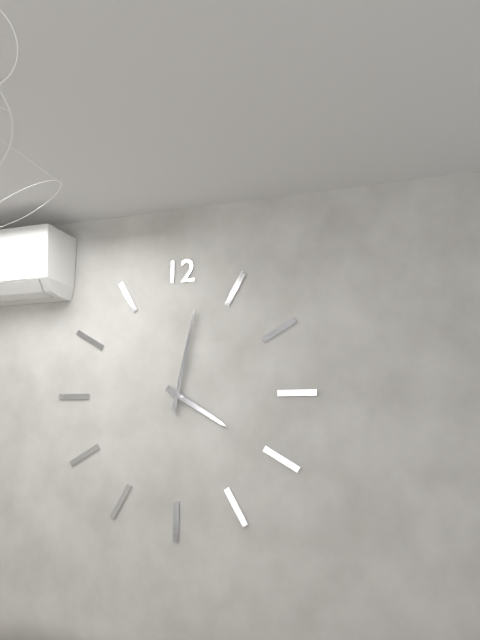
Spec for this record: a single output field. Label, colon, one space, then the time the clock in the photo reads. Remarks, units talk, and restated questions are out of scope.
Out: 4:02
